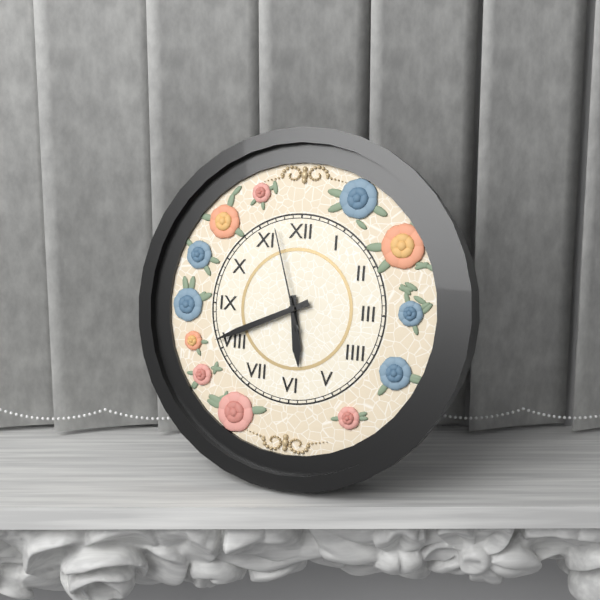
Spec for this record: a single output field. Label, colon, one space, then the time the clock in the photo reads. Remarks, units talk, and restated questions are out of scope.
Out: 5:41:57
